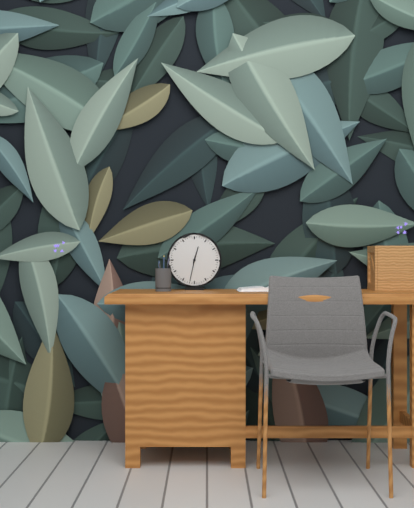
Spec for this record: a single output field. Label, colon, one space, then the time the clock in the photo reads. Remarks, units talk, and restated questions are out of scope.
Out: 12:32
